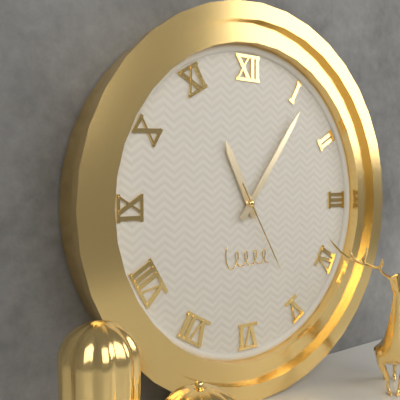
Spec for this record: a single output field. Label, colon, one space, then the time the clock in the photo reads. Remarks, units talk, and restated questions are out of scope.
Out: 11:06:25
